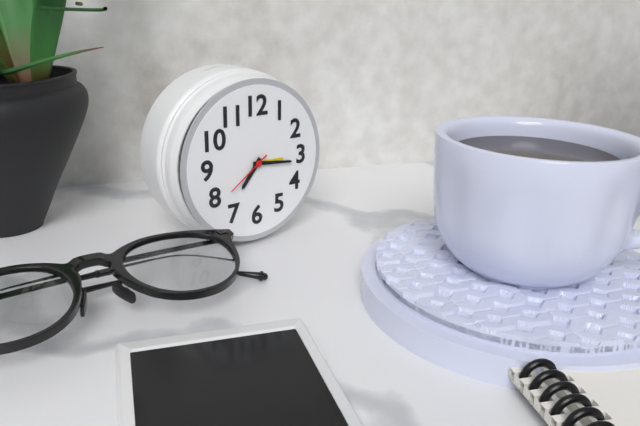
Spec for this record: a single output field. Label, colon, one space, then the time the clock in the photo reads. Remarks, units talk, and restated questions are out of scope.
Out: 7:16
